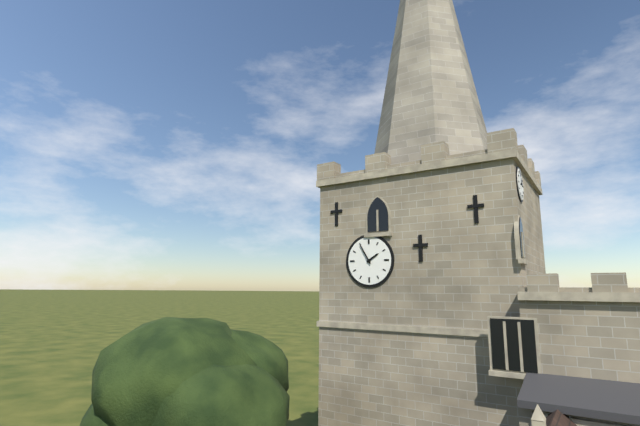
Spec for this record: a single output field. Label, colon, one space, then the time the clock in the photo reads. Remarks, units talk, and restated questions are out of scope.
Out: 1:55
